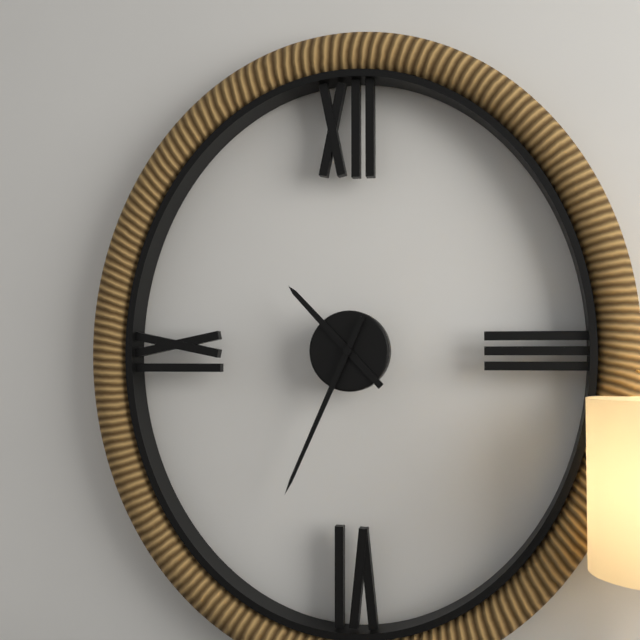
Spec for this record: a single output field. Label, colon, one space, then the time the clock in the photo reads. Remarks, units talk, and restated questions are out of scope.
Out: 10:34
